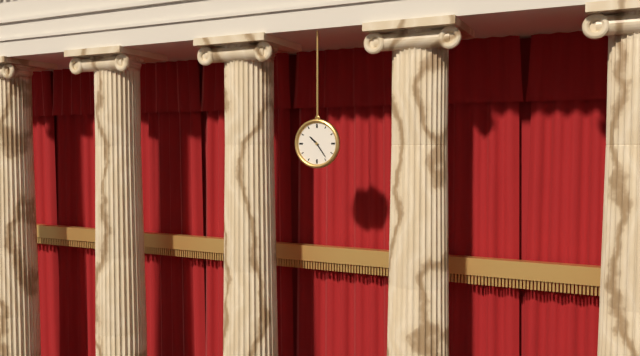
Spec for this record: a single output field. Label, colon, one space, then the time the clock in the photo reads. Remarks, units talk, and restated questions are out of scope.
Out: 10:24
